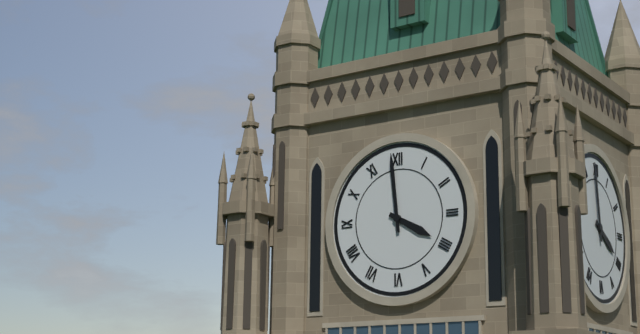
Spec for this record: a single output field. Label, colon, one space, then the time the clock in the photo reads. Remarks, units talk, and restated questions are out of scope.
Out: 3:59
